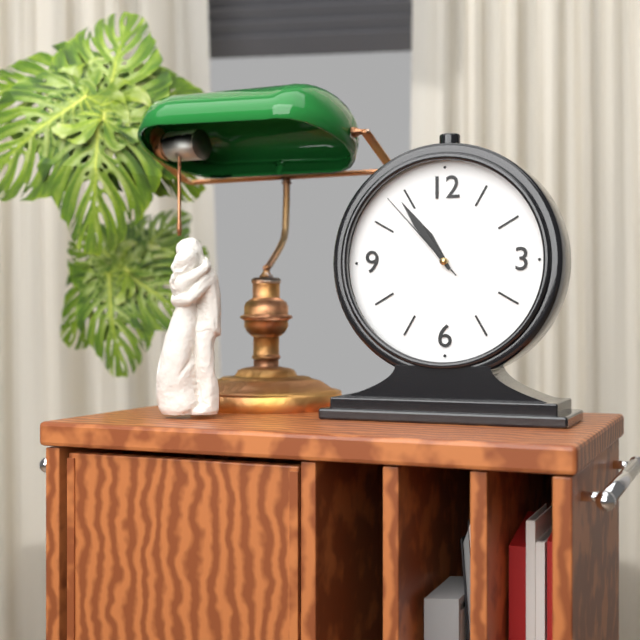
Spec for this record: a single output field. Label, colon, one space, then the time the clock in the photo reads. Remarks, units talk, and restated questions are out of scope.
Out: 10:54:53
